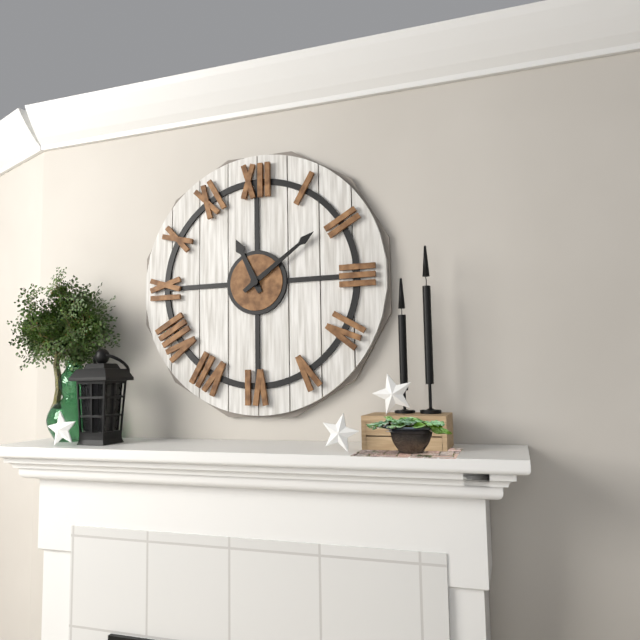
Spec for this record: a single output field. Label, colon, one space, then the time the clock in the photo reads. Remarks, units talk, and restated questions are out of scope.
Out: 11:09
